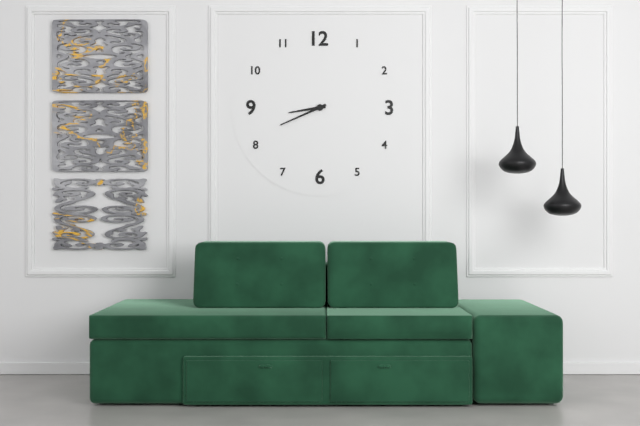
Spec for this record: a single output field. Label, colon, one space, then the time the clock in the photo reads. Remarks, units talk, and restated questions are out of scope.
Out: 8:41
